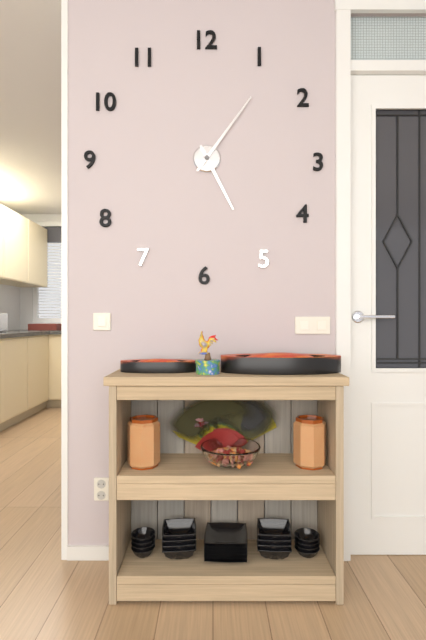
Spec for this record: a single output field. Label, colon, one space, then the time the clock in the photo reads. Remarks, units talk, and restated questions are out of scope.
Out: 5:06
